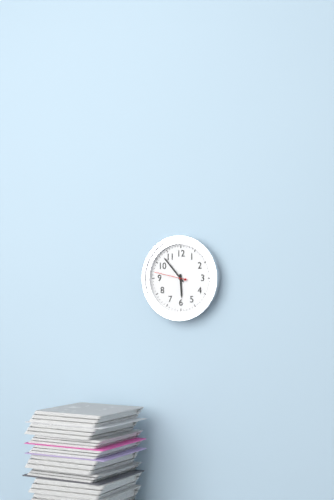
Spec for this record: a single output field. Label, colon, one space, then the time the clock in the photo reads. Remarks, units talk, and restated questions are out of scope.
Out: 5:53
